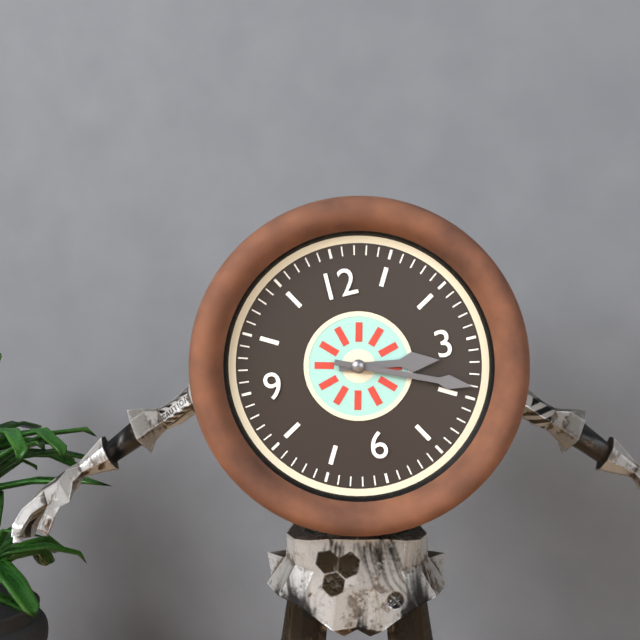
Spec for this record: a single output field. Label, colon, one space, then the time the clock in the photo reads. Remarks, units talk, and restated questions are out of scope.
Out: 3:19
